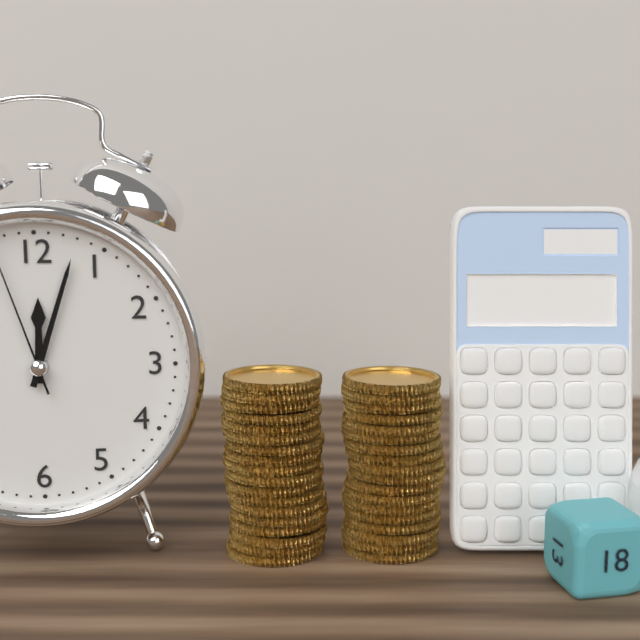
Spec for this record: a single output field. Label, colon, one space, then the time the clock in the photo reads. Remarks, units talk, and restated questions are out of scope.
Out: 12:03
